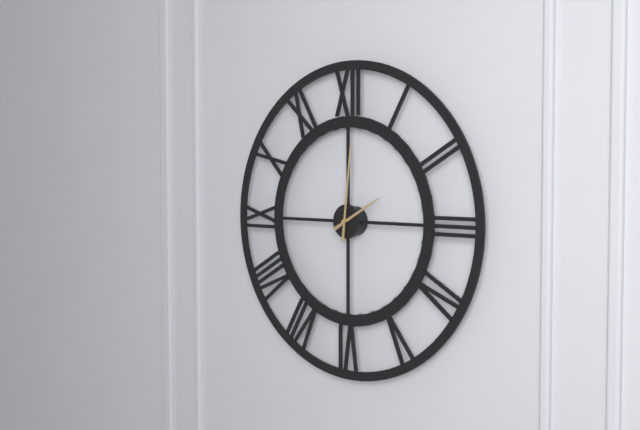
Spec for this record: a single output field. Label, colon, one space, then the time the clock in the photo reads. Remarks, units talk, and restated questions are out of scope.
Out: 2:01
